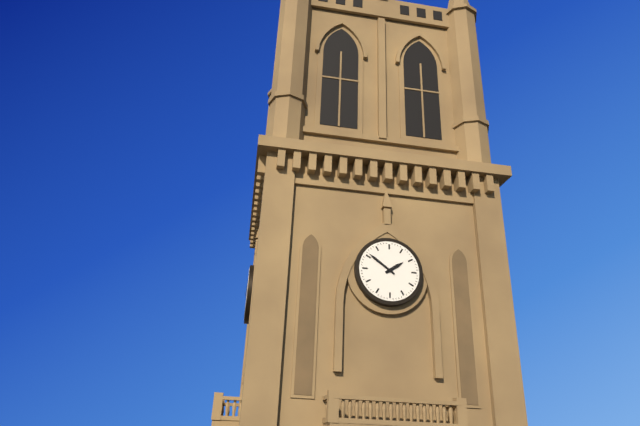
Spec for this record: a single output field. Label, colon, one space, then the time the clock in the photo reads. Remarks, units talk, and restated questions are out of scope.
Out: 1:51
